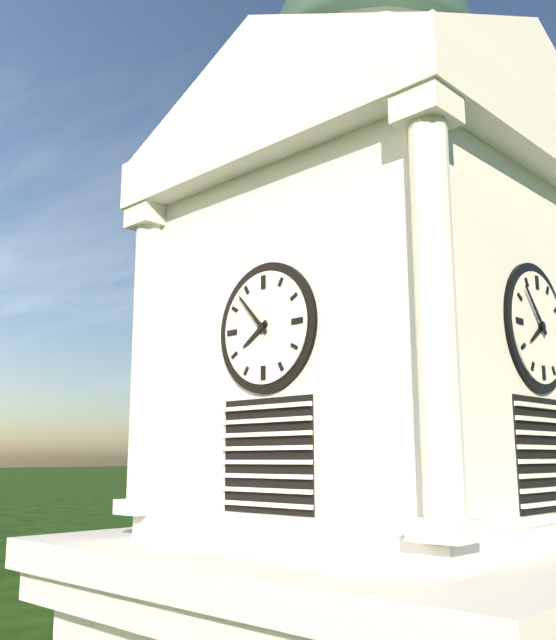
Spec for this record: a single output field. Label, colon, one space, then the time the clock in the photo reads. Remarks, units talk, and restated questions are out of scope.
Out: 7:53
